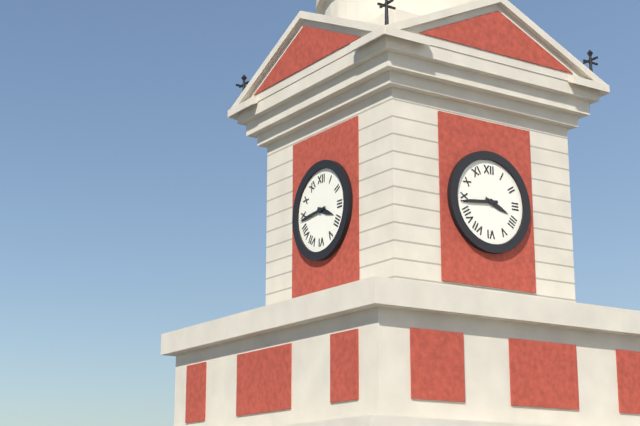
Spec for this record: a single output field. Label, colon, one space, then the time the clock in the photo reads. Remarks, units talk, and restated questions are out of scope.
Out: 3:44
